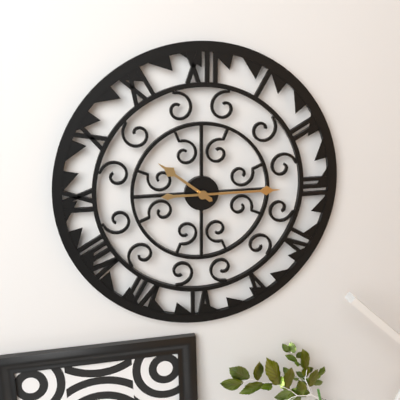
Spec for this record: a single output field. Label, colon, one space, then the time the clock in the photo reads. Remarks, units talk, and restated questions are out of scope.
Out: 10:15
